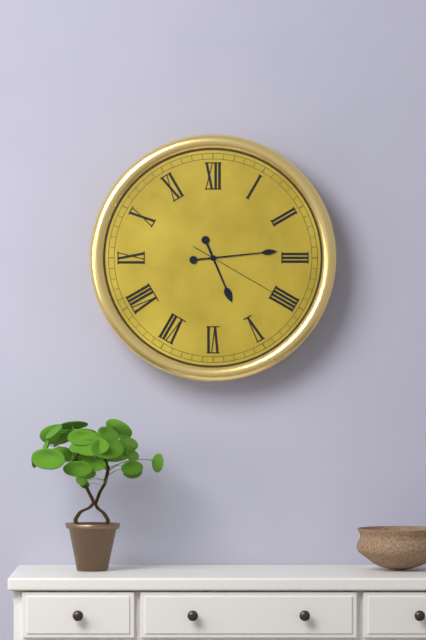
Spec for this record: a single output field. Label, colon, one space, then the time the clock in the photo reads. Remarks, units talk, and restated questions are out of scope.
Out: 5:14:20
